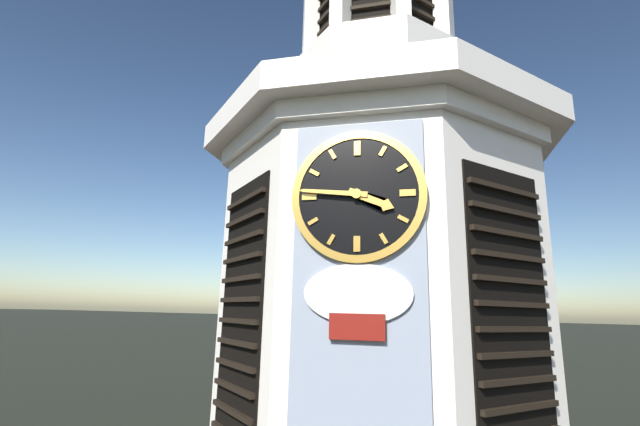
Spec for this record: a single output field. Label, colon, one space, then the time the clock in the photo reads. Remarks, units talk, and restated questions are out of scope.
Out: 3:46
